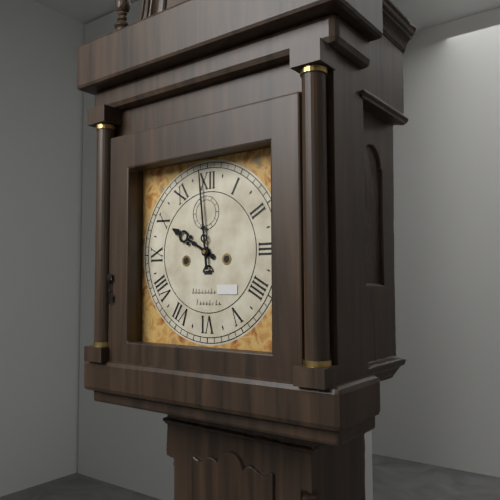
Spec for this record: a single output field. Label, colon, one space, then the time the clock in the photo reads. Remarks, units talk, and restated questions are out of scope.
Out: 9:59
